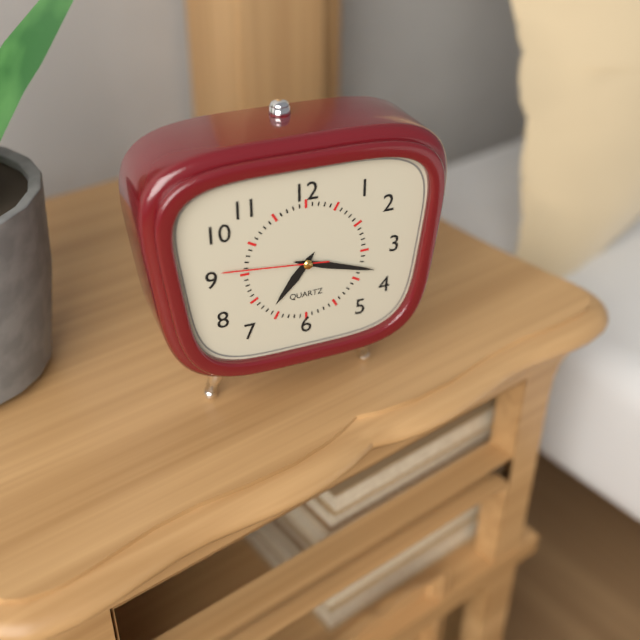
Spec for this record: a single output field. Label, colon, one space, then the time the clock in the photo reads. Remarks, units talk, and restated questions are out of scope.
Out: 7:18:46
